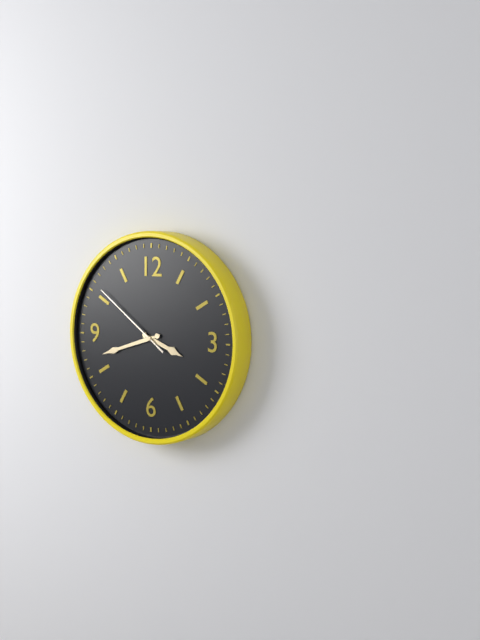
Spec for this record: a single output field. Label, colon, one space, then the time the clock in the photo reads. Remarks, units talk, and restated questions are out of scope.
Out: 3:42:51
